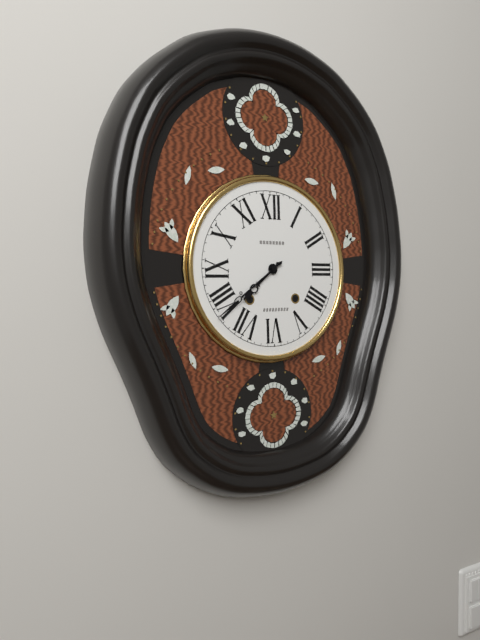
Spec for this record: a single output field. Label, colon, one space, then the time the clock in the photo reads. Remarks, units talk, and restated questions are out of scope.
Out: 7:39
